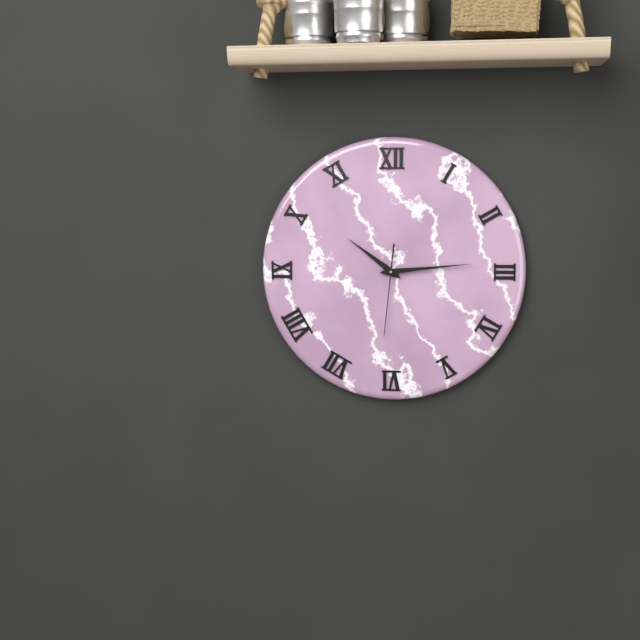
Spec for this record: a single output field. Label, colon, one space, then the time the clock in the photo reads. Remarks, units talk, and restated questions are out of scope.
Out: 10:14:31
